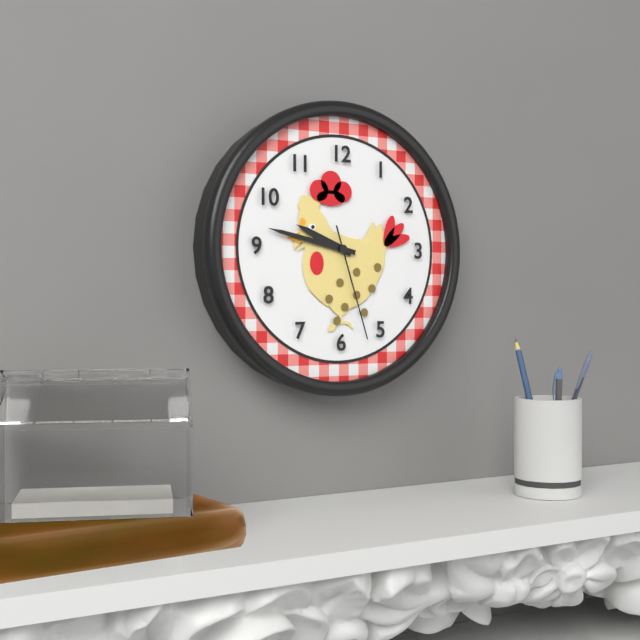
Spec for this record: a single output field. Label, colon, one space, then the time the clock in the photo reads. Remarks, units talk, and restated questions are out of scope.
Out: 9:47:27
